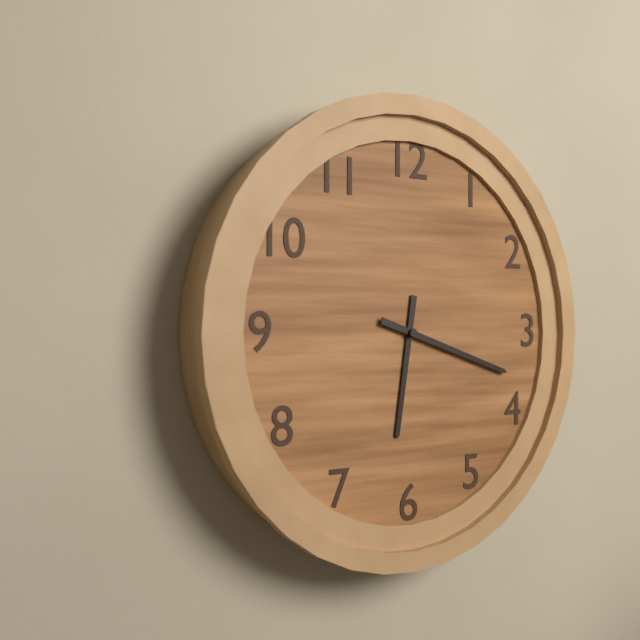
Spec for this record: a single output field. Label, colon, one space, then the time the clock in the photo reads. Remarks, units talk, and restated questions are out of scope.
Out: 6:18
